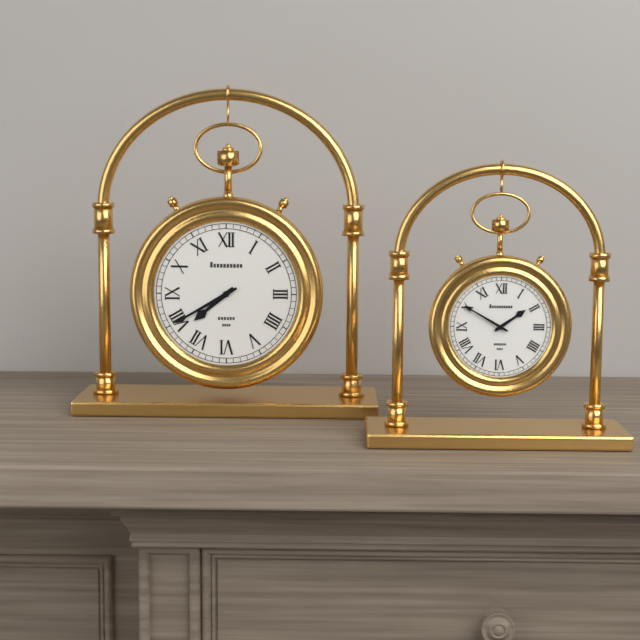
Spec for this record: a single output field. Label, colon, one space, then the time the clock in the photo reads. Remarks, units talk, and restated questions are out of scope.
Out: 7:40
